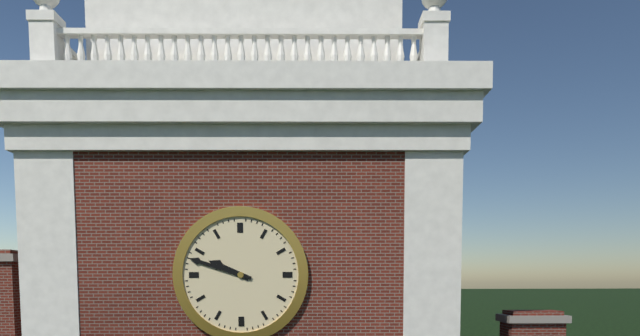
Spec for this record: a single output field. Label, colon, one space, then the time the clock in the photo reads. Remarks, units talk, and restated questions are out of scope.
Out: 9:48
